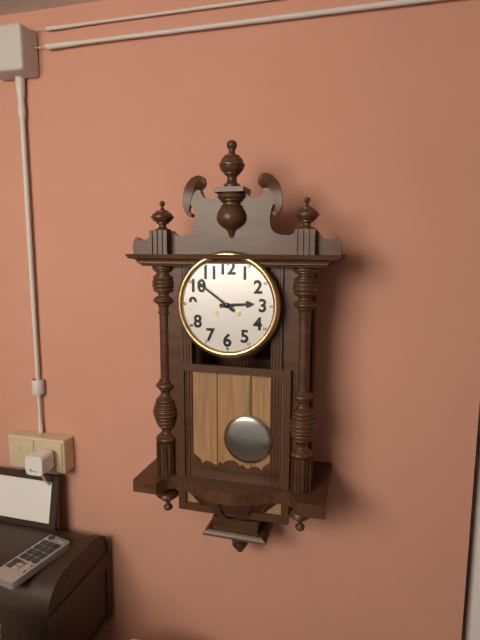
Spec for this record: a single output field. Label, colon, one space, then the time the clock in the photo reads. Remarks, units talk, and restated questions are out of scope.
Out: 2:51
